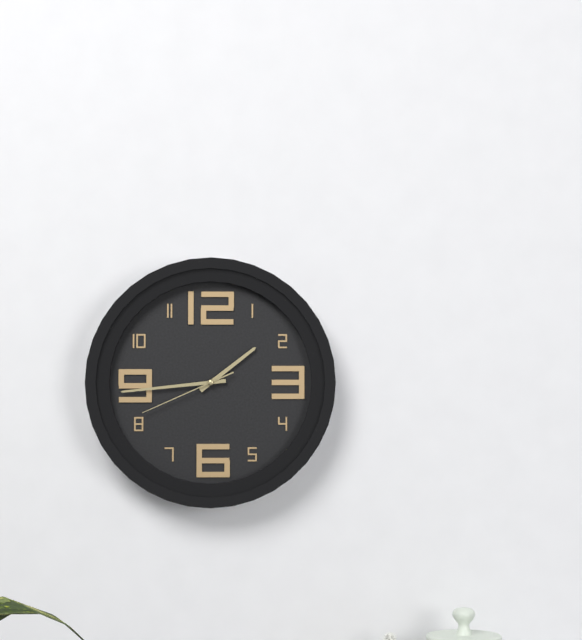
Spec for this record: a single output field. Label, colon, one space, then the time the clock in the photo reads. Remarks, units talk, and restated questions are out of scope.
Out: 1:44:41
